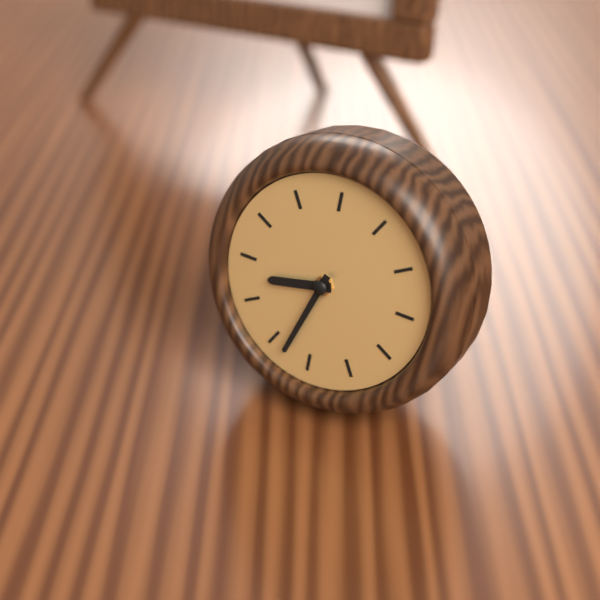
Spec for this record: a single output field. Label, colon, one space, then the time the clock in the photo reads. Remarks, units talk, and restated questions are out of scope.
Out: 8:33
